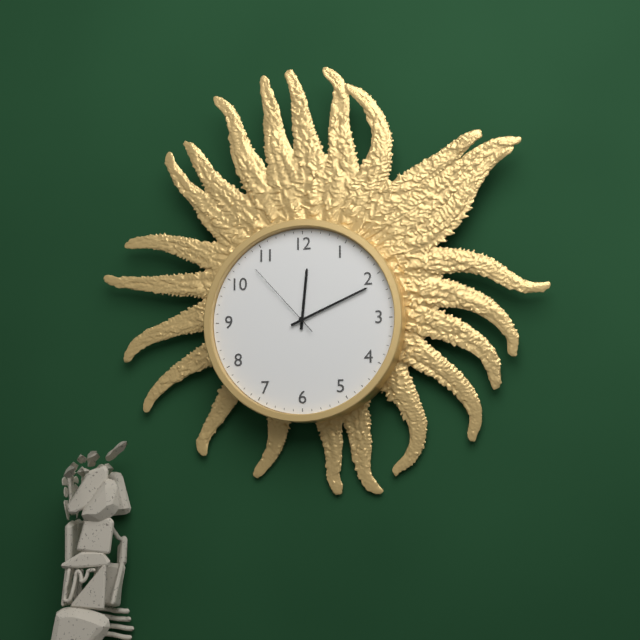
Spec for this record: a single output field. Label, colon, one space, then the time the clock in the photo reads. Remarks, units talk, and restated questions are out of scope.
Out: 12:11:53
